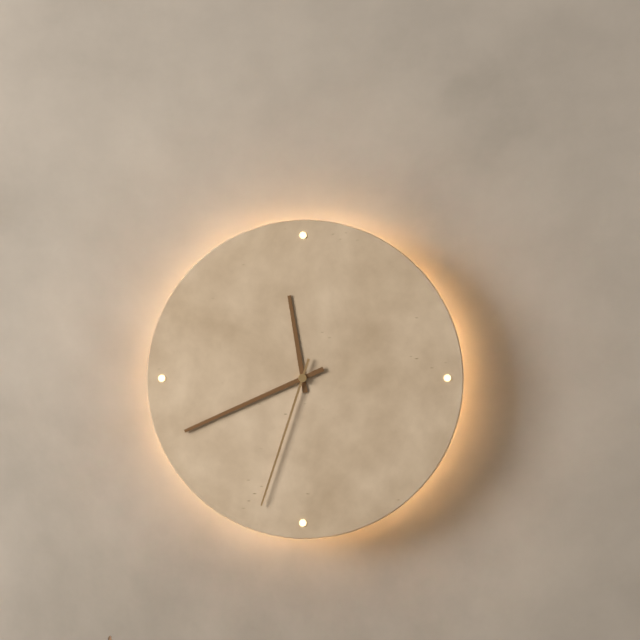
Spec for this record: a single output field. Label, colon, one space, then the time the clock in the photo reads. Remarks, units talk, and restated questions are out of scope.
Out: 11:41:33
